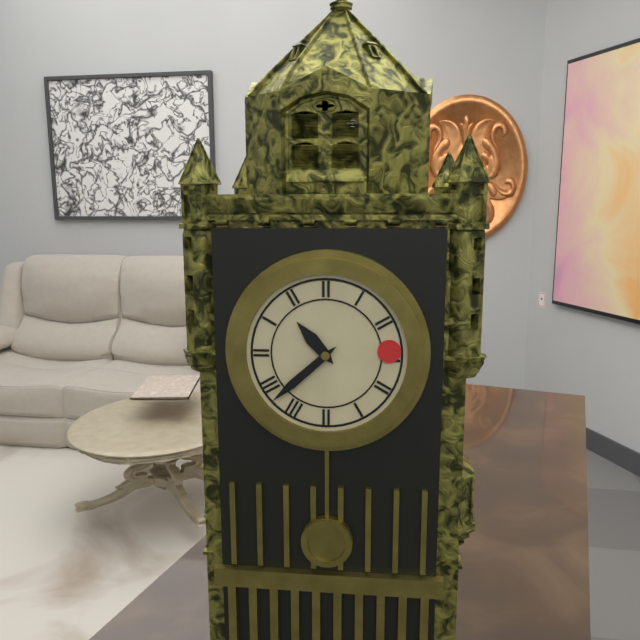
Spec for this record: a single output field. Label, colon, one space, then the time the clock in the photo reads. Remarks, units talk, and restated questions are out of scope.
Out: 10:38
